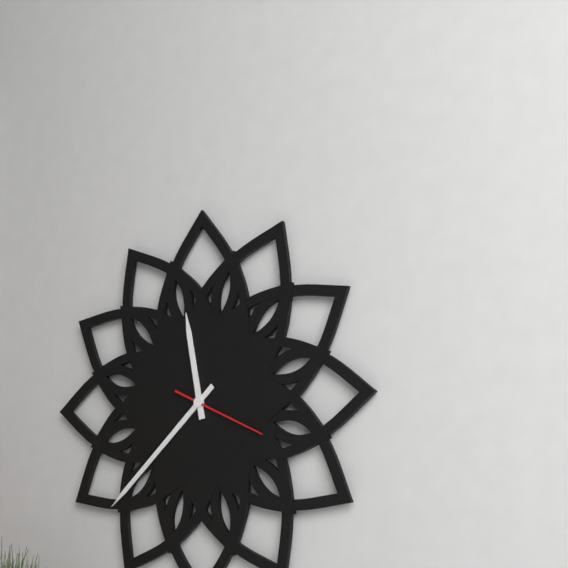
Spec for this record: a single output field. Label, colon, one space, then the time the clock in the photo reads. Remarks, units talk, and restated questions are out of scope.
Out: 11:38:19
